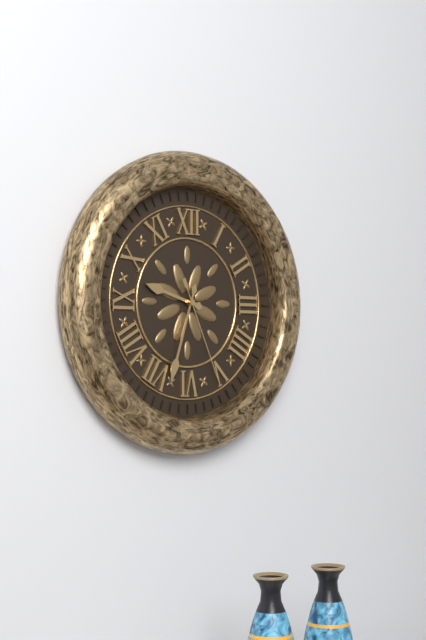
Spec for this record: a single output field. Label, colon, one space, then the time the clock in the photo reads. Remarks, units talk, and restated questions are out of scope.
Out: 9:33:26
